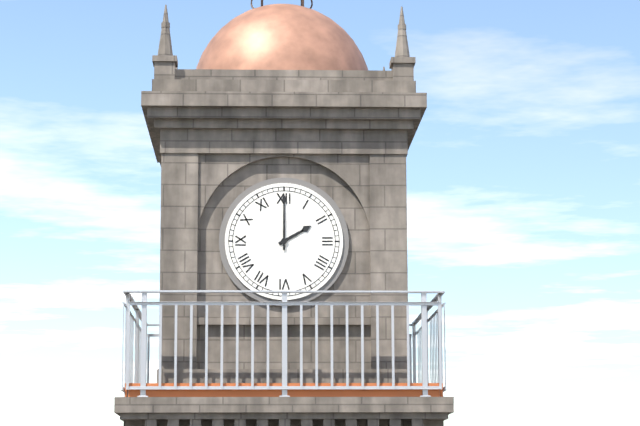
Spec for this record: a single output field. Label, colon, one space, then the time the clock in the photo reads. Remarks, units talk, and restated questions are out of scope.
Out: 2:00
